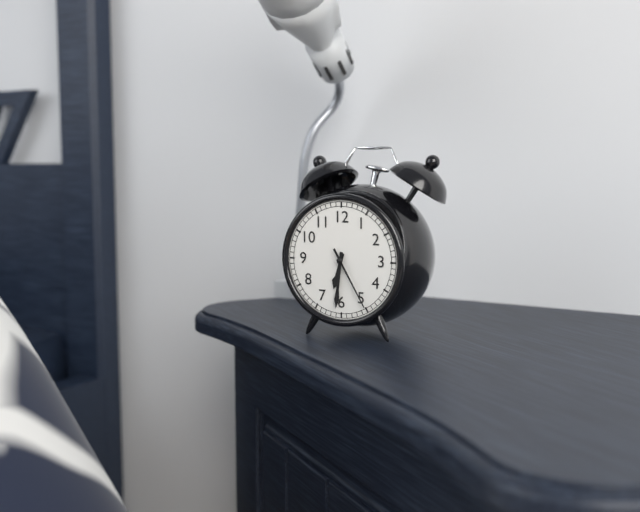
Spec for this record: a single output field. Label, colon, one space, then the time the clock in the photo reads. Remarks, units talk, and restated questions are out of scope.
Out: 6:31:25
